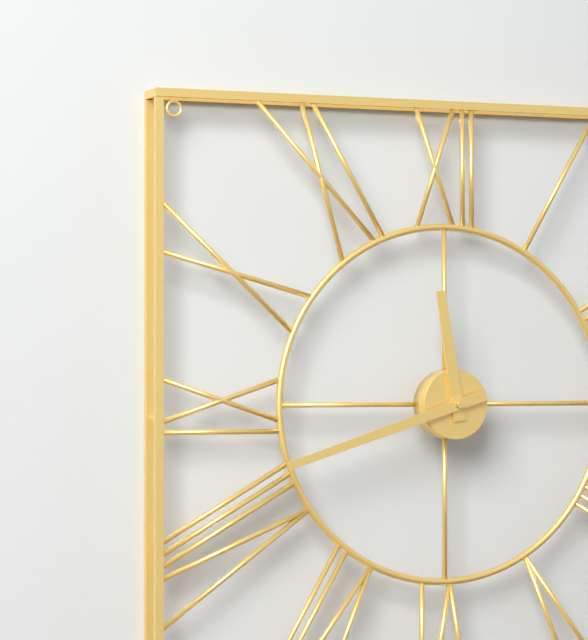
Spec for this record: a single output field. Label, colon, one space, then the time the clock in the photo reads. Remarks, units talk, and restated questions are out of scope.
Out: 11:42
